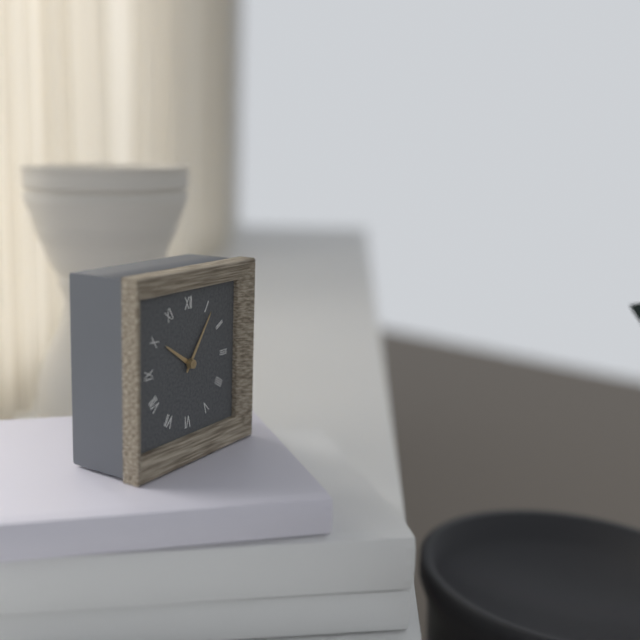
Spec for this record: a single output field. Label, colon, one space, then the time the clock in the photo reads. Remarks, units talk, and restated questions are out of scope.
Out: 10:06
